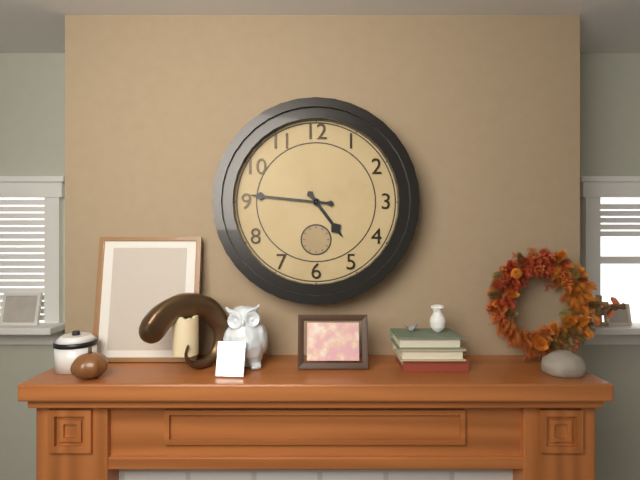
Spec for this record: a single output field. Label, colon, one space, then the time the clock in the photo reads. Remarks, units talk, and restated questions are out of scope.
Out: 4:46
